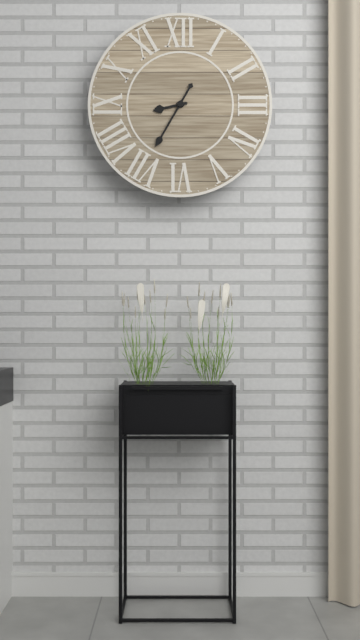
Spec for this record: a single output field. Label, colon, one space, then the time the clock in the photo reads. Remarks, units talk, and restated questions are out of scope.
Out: 8:35
